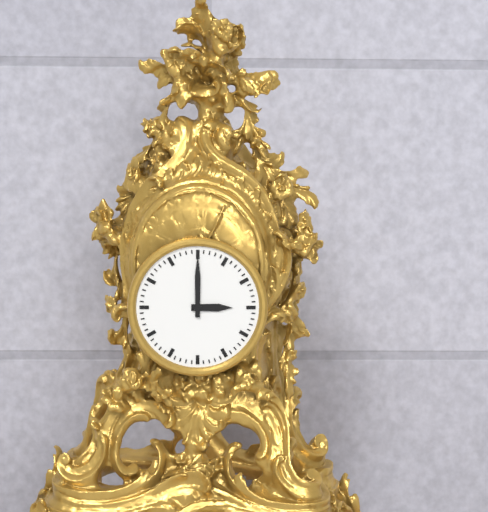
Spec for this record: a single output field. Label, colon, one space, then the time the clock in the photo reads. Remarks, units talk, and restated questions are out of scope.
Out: 3:00
